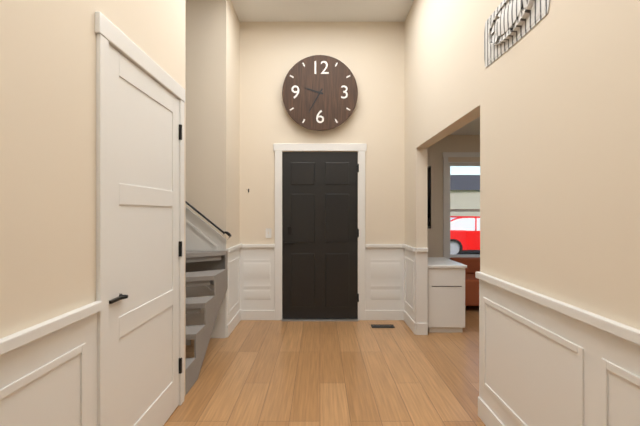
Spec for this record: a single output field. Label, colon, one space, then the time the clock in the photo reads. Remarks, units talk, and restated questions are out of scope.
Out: 9:35
